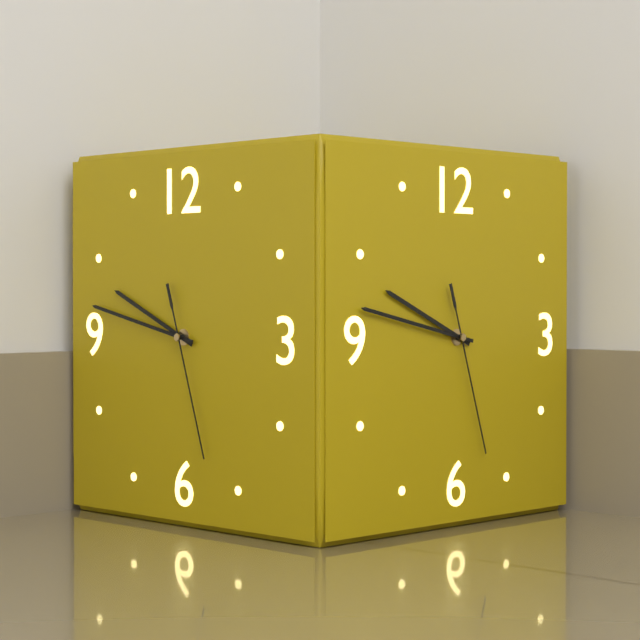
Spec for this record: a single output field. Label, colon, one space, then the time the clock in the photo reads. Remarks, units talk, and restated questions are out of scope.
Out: 9:47:27
